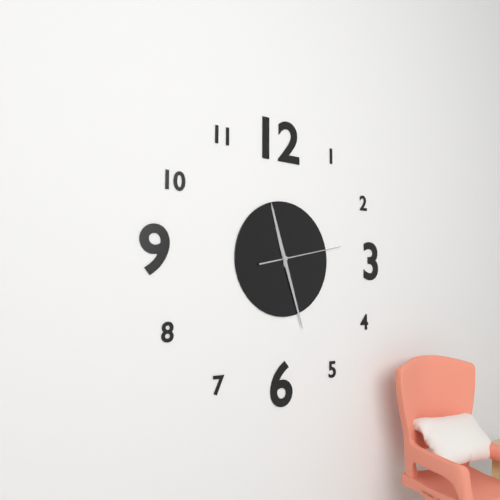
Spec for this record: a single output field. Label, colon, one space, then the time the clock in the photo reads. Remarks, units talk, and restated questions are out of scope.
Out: 11:27:13
